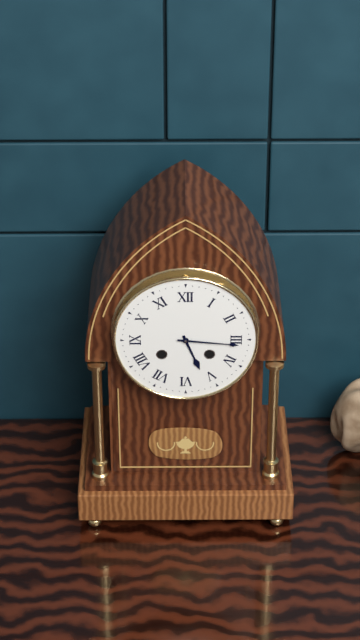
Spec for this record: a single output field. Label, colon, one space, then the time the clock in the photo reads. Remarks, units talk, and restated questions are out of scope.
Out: 5:16
